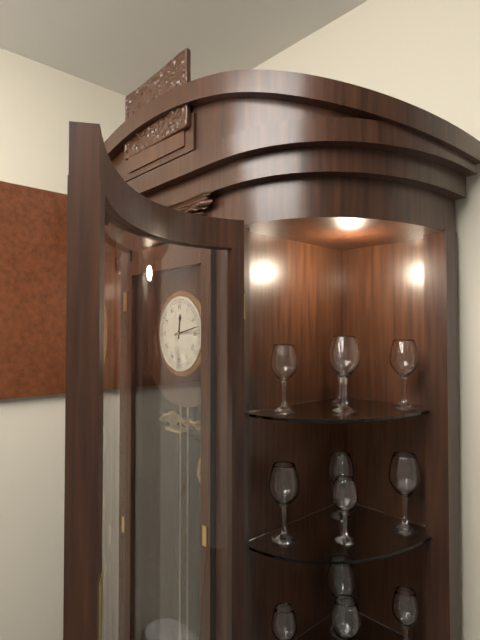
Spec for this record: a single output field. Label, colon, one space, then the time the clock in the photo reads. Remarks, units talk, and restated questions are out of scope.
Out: 12:13
